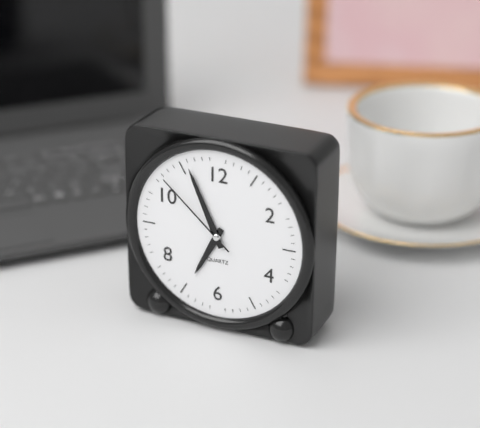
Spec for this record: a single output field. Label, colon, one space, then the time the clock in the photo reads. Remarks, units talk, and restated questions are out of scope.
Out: 6:56:52
